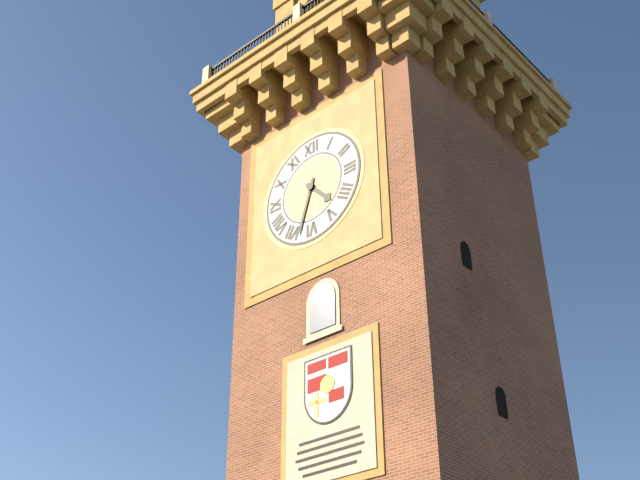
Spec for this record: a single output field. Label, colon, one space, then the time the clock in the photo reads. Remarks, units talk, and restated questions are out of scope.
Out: 4:33
